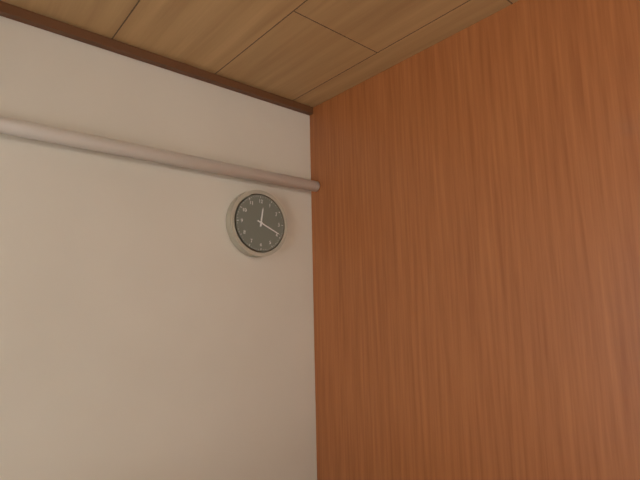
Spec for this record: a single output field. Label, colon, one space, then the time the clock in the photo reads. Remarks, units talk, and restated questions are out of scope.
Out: 12:19
